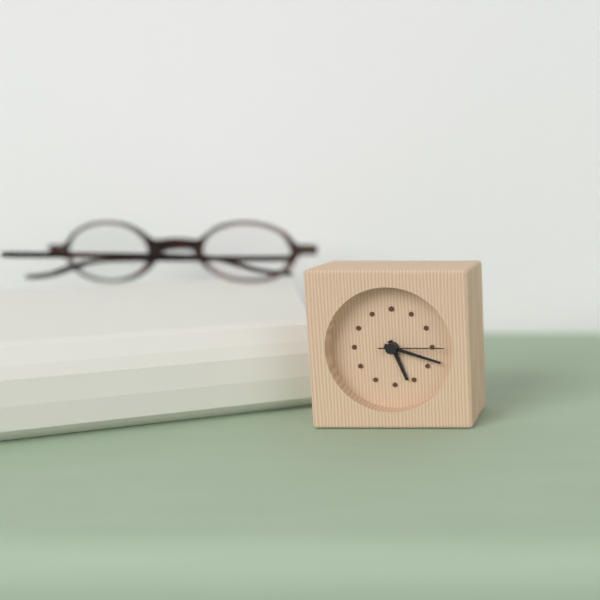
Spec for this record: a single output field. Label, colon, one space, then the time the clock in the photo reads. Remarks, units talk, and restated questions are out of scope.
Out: 5:18:15
